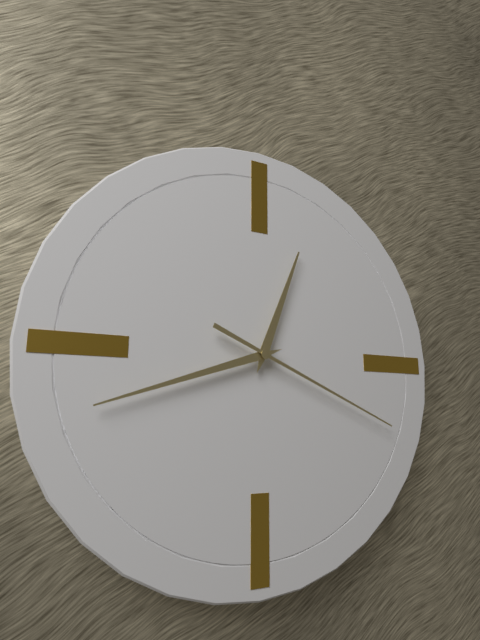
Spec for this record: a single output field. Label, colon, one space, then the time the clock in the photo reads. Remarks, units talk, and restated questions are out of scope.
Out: 12:42:19
